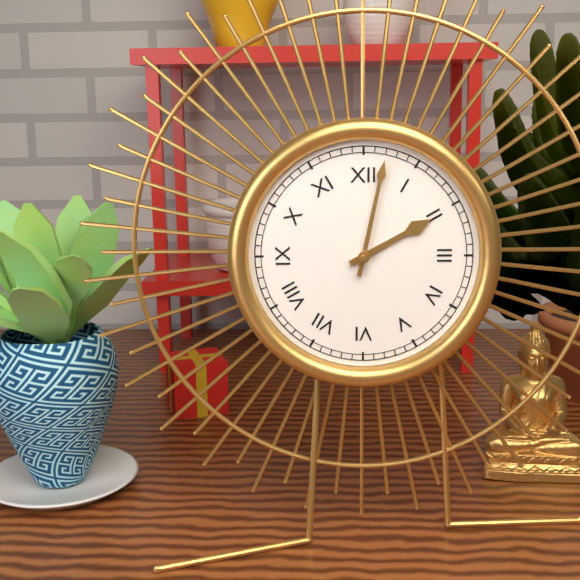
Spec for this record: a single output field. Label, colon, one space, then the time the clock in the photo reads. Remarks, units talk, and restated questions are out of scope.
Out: 2:02
